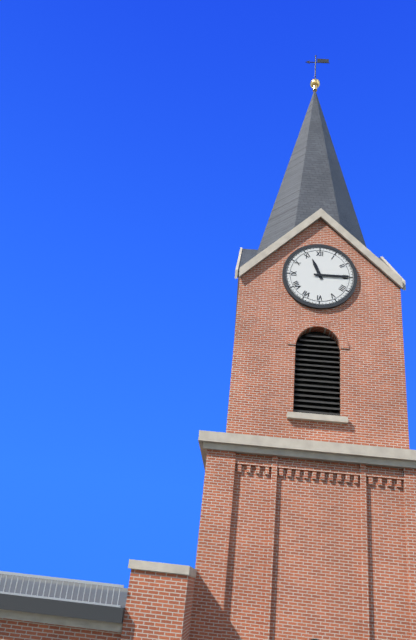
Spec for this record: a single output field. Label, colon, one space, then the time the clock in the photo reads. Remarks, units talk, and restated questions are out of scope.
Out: 11:15
